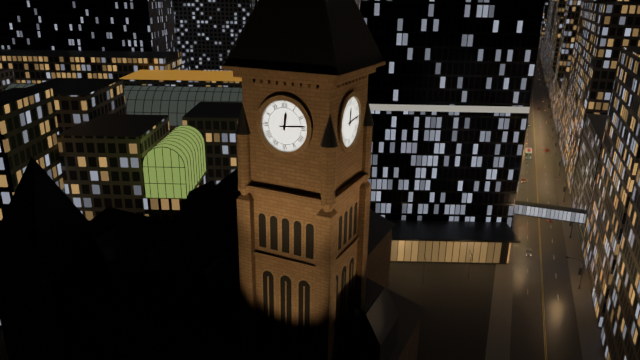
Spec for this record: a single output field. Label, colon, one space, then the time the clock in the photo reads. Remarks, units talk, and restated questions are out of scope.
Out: 12:14
